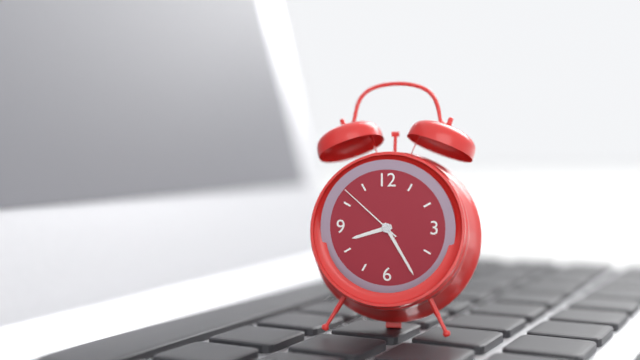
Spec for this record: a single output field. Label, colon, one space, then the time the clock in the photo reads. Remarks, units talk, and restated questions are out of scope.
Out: 8:25:52
